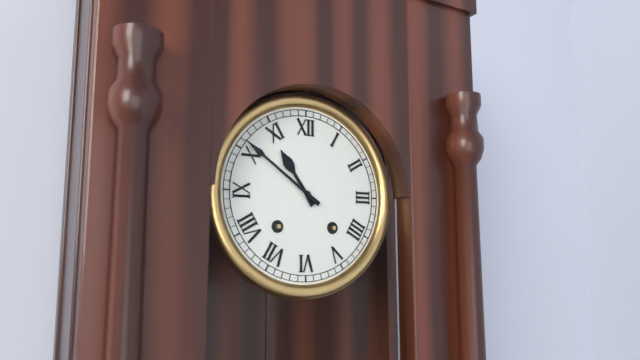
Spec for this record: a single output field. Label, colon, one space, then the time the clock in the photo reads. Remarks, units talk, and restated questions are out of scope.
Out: 10:51
